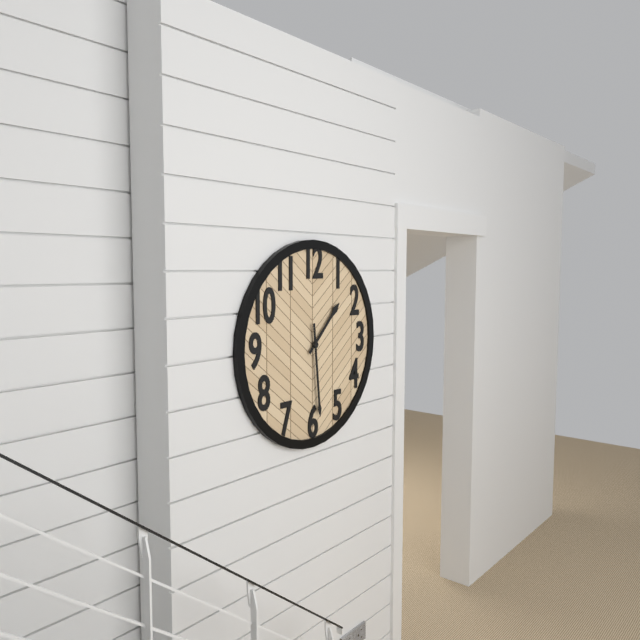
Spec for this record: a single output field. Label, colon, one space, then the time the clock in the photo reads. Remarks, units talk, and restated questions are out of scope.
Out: 1:29
